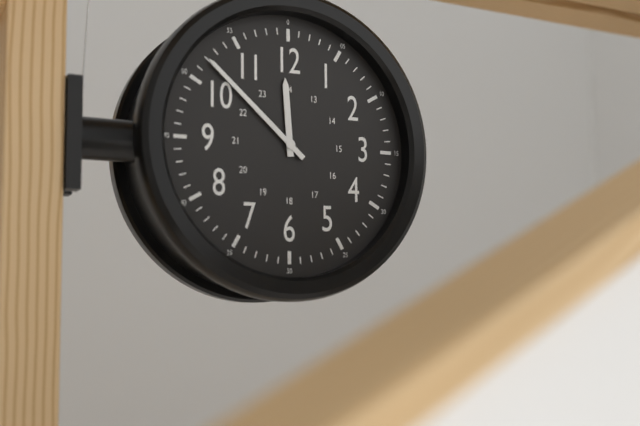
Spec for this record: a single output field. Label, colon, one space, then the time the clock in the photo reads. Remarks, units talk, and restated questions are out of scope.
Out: 11:52
